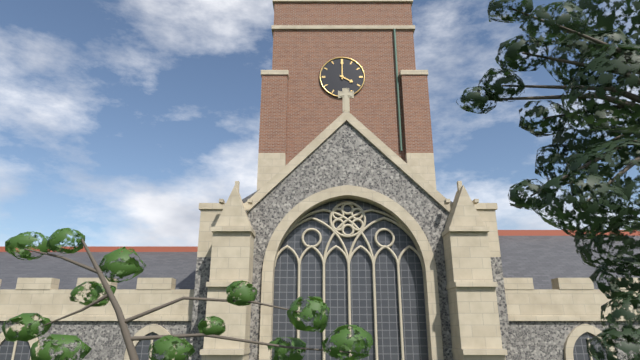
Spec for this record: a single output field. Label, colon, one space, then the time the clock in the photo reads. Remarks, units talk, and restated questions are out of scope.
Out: 4:00
